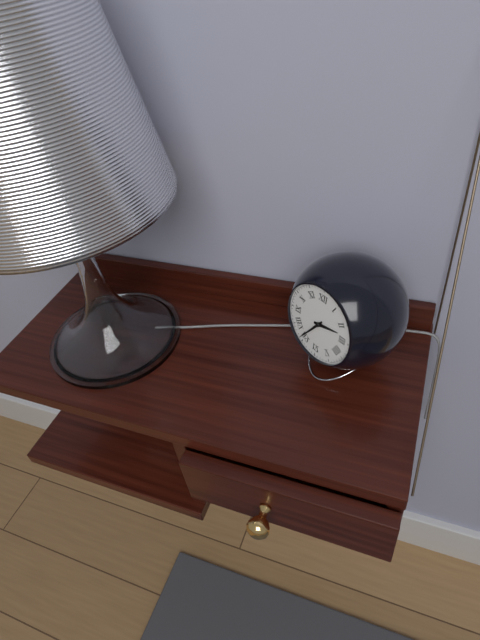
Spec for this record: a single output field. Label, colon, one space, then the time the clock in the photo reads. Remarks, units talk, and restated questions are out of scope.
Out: 2:36
